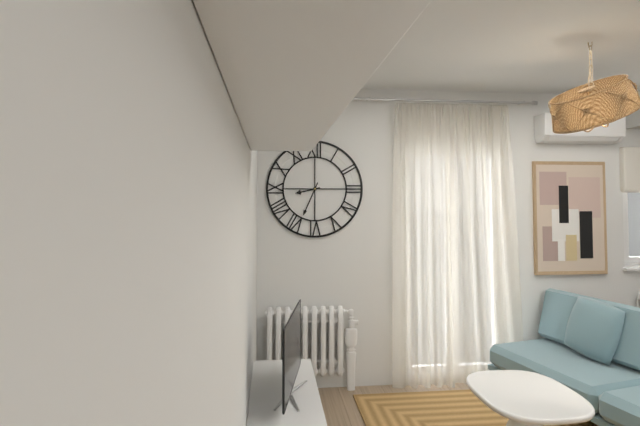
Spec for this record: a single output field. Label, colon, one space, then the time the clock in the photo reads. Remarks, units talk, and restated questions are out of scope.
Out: 8:34
